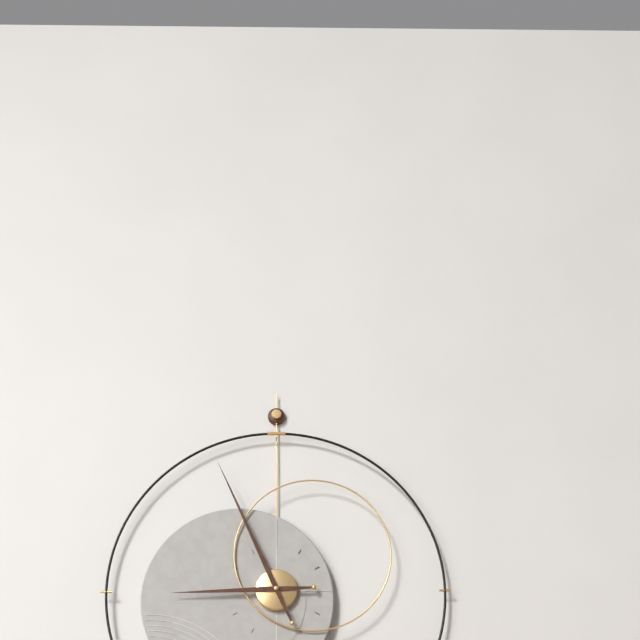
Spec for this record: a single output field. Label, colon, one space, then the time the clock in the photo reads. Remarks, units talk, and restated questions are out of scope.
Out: 8:56
